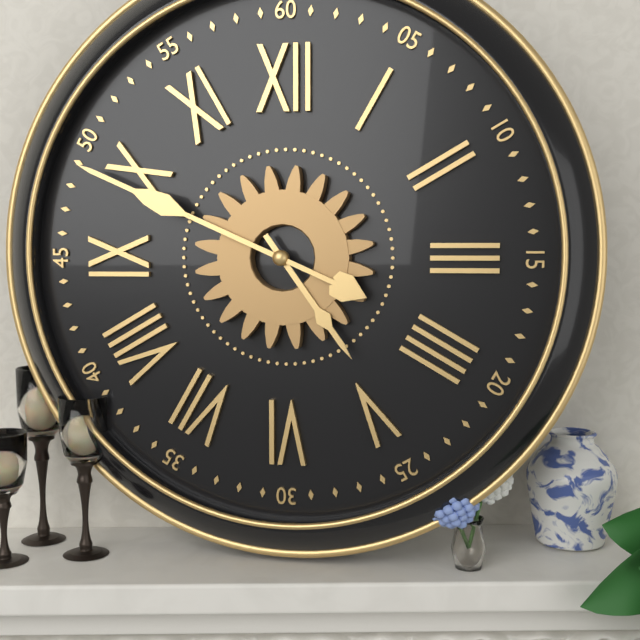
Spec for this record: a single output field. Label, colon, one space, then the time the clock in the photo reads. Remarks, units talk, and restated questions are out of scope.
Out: 4:49
